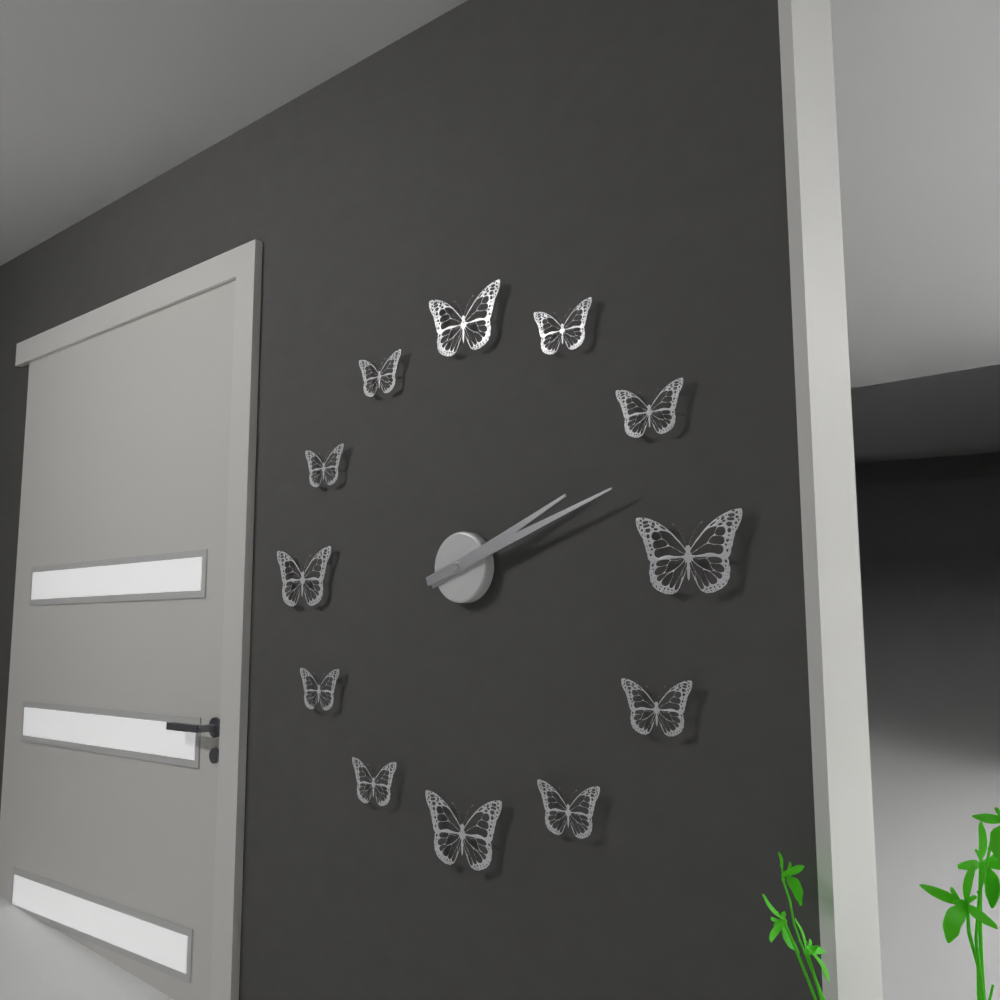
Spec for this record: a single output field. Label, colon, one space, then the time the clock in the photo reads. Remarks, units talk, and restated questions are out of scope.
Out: 2:12
